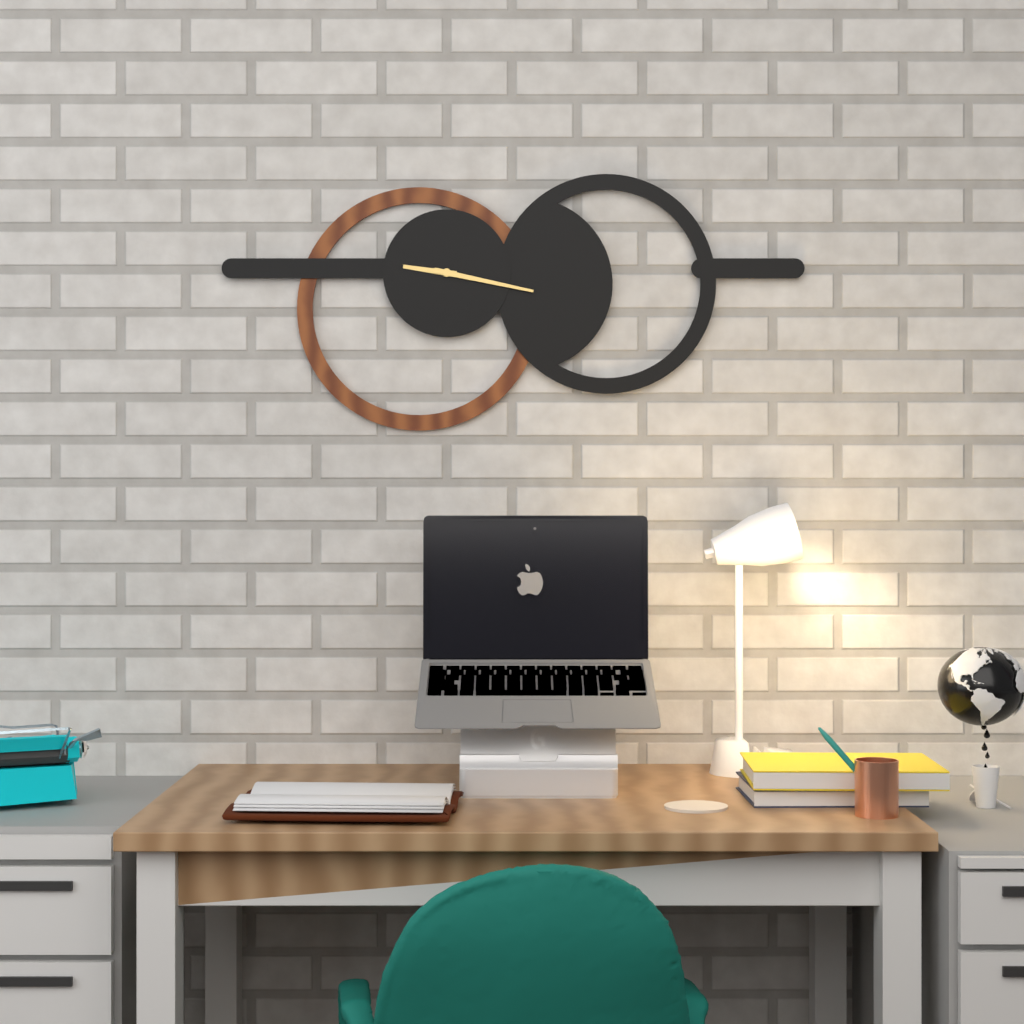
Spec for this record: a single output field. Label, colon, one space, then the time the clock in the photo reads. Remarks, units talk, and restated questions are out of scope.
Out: 9:17
